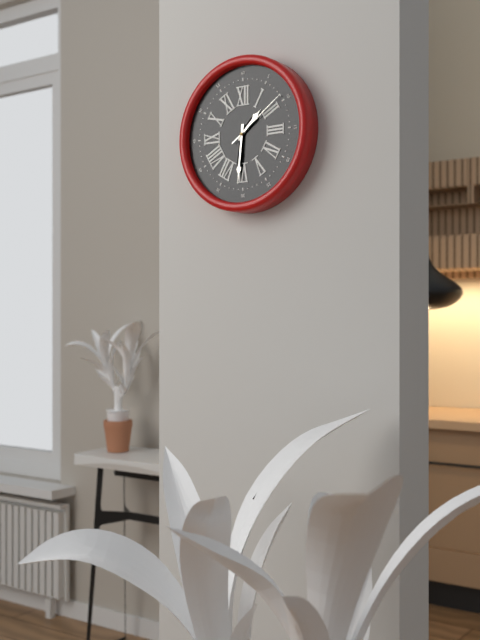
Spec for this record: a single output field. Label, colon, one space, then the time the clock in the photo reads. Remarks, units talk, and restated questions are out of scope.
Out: 1:31:09
